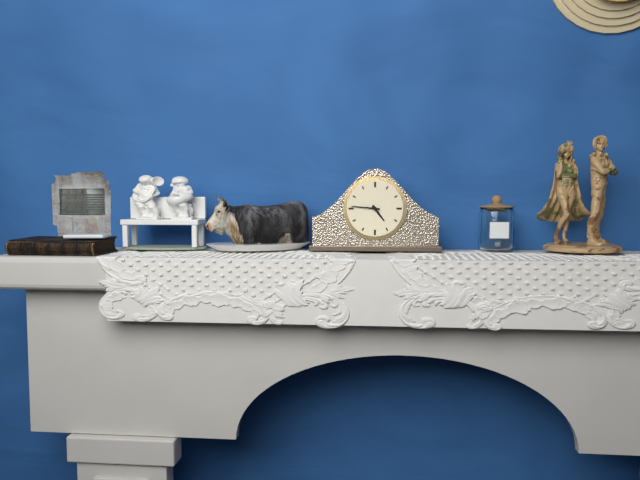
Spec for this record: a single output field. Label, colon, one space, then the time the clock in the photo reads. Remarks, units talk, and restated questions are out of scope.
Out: 4:46
